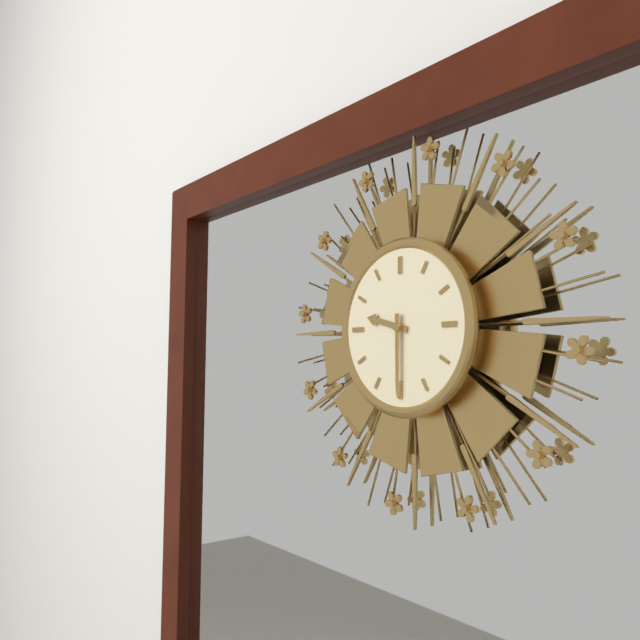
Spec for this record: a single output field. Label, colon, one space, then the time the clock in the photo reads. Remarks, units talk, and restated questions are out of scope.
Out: 9:30
